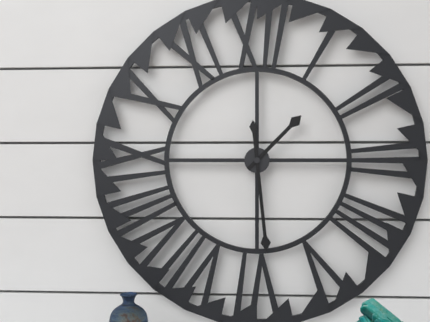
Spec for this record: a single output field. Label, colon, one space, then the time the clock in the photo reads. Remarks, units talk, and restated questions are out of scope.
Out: 1:29
